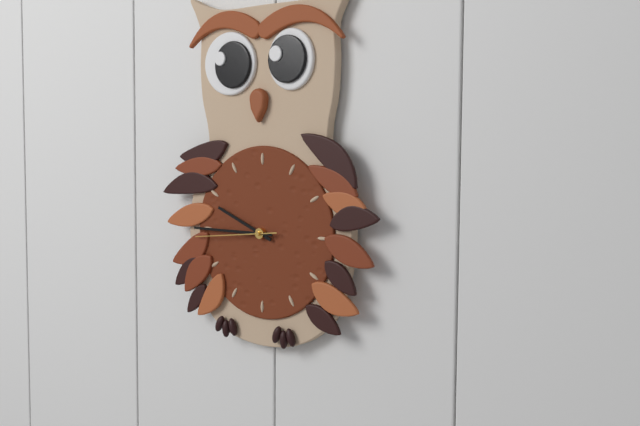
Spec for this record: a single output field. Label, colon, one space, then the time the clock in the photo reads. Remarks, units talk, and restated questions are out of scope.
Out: 9:45:44
